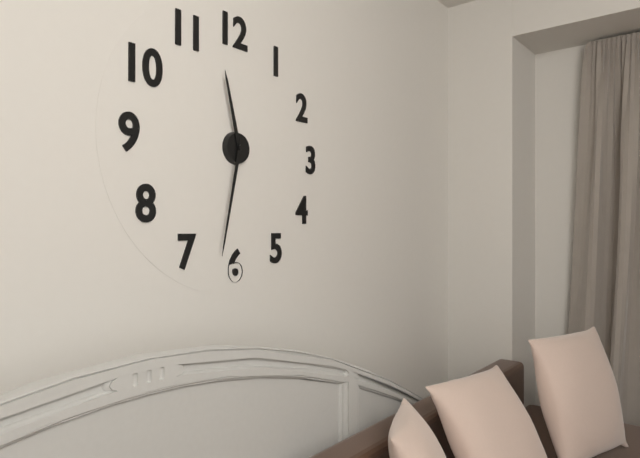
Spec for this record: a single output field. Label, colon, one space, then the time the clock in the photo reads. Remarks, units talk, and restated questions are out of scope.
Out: 11:32
